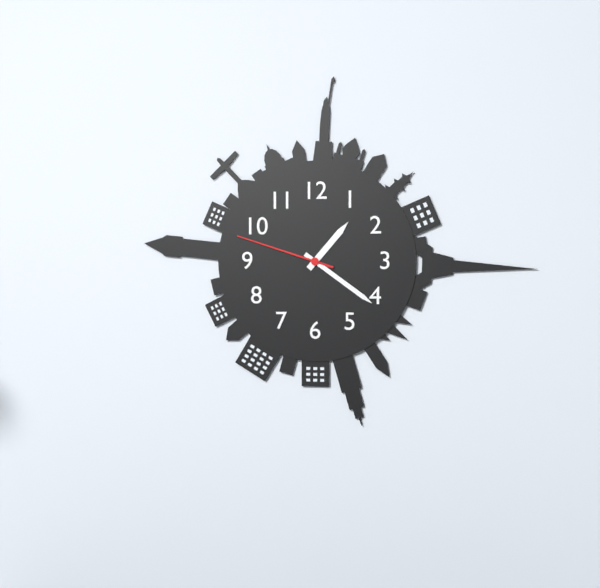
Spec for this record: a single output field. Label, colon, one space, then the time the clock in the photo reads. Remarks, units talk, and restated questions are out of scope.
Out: 1:21:48
